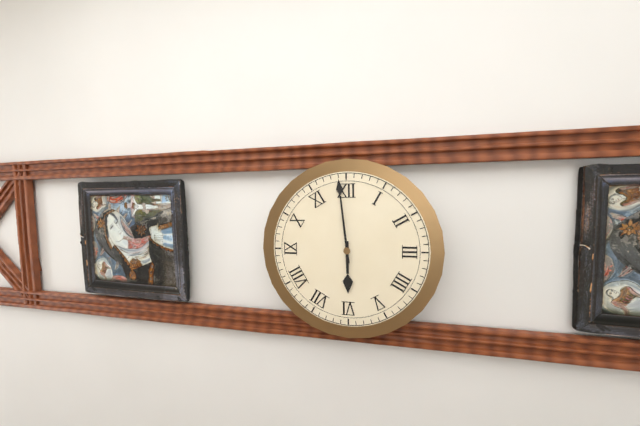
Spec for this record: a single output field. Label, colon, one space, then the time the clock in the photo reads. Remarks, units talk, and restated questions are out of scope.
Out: 5:59
